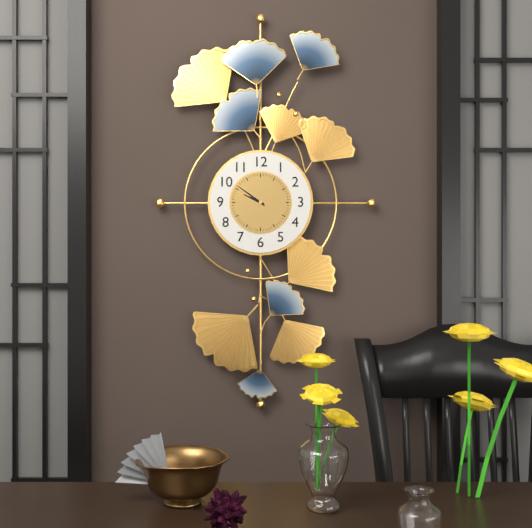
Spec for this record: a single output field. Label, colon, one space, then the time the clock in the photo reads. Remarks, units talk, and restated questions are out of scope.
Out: 9:51
